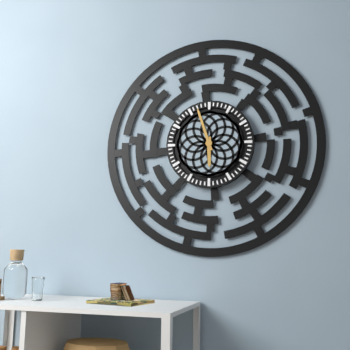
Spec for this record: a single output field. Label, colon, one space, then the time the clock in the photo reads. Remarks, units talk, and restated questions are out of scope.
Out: 5:57
